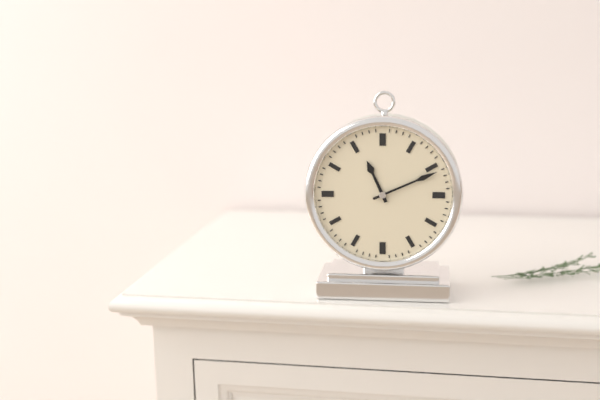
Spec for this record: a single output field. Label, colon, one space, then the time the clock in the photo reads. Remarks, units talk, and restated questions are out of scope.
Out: 11:11
